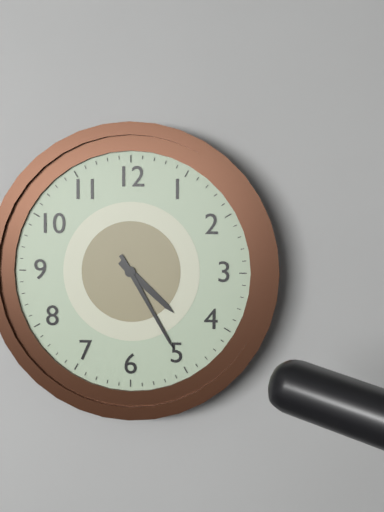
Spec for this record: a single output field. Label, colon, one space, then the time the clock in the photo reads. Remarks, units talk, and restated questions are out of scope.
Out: 4:25
